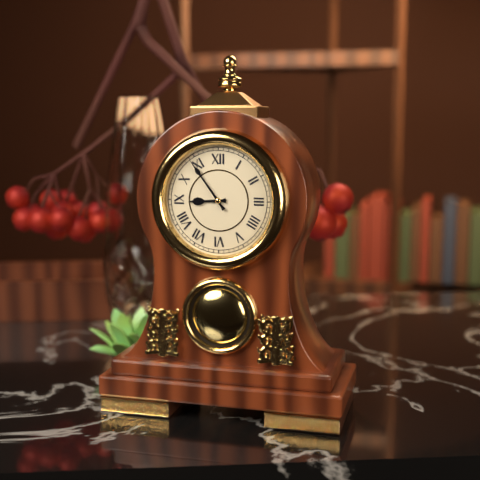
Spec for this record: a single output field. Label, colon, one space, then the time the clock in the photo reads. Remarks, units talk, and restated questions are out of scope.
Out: 8:54
